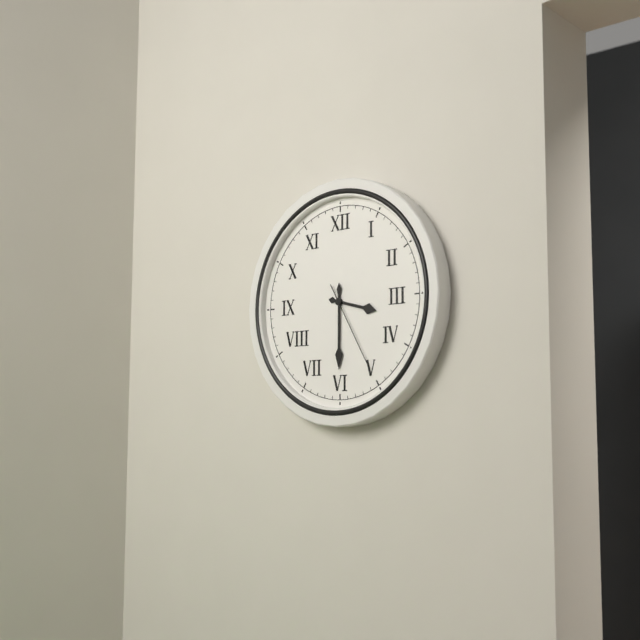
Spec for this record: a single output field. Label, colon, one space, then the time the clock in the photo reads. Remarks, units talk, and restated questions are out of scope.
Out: 3:30:25
